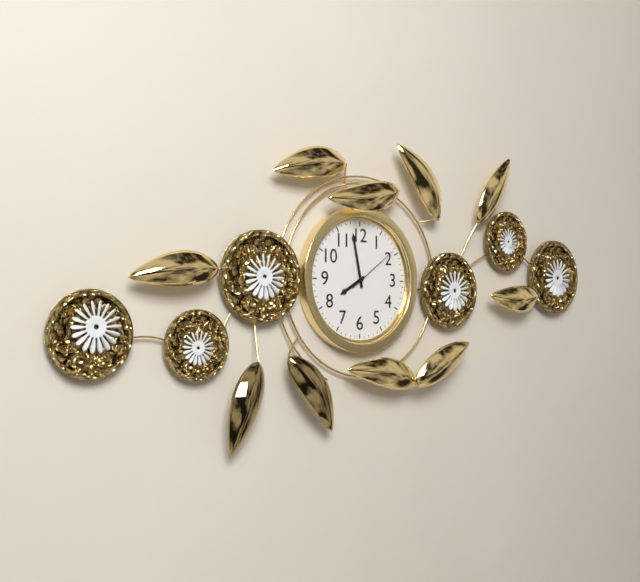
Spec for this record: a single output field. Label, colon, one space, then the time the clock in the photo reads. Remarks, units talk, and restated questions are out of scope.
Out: 7:58:09
